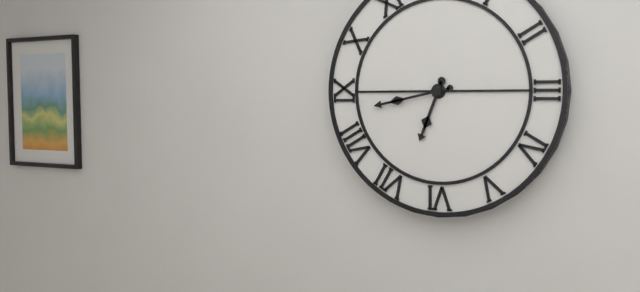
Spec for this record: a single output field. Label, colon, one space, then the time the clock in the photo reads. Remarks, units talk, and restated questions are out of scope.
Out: 6:43
